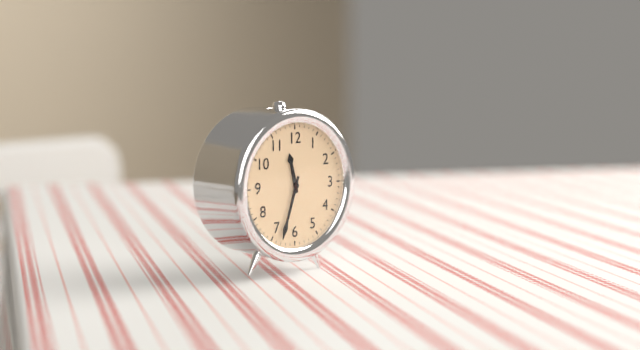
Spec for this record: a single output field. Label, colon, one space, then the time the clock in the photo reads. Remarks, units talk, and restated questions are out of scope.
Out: 11:33
